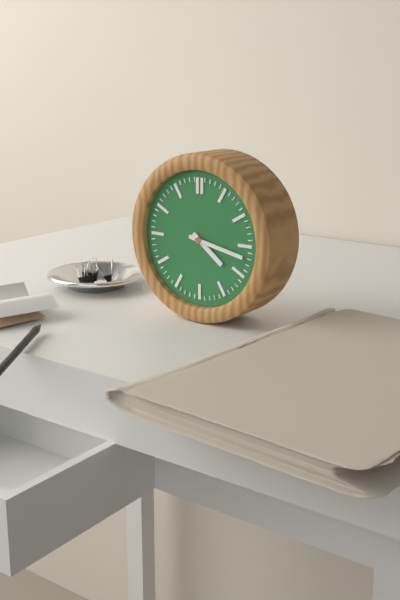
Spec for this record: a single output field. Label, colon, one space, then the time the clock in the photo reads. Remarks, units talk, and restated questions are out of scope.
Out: 4:17
